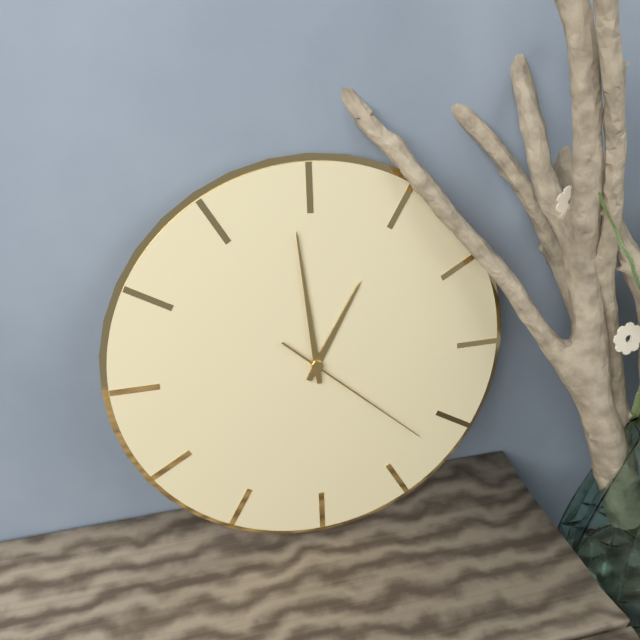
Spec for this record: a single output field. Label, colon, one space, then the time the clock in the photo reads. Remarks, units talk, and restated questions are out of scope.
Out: 12:59:22
